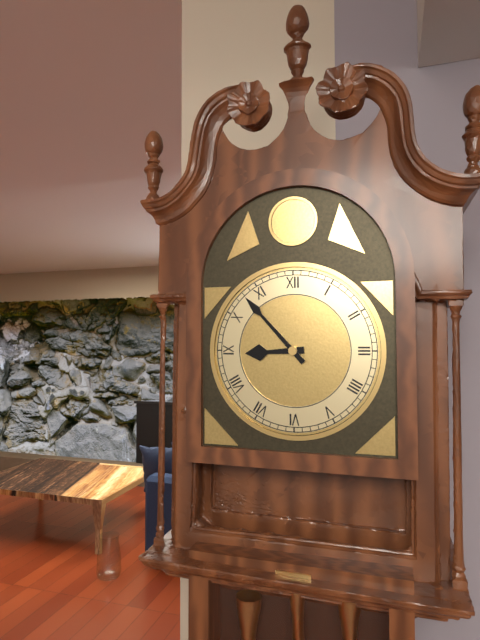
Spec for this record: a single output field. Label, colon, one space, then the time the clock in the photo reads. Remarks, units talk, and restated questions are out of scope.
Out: 8:53
